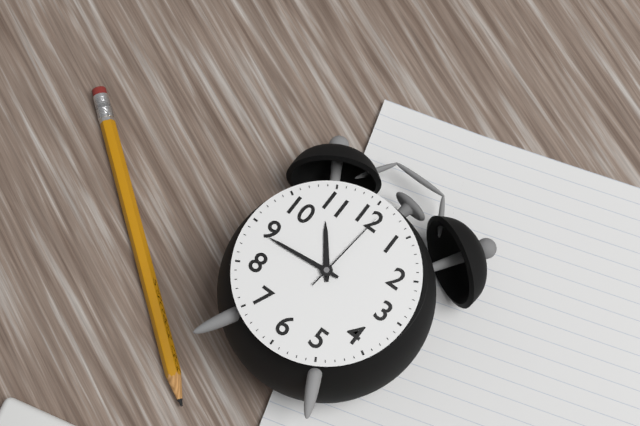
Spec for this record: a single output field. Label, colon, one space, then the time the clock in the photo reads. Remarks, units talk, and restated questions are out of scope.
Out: 10:44:01
